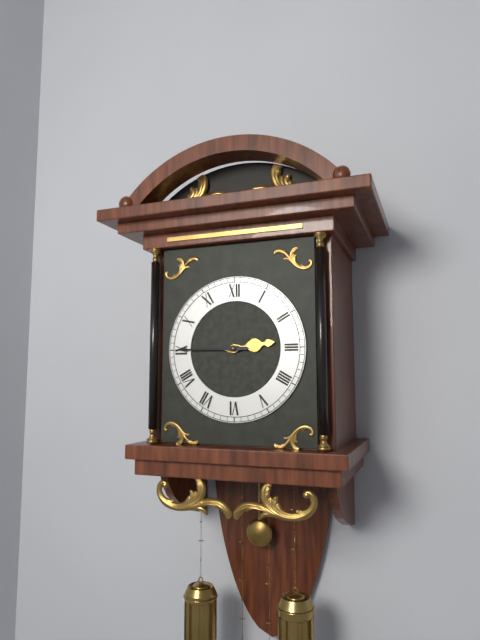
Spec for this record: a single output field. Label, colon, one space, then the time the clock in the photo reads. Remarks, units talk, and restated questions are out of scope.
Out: 2:45
